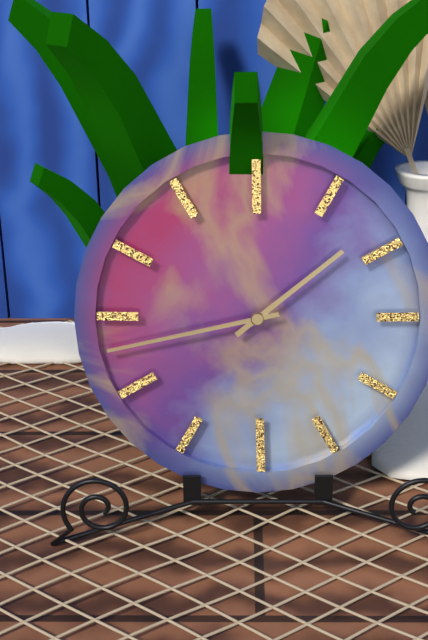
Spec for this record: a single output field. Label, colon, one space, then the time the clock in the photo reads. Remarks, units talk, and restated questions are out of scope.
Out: 1:43
